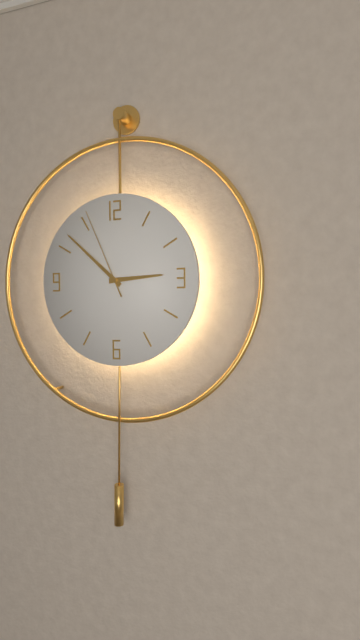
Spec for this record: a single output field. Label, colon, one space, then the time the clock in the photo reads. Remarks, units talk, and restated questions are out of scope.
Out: 2:52:56
